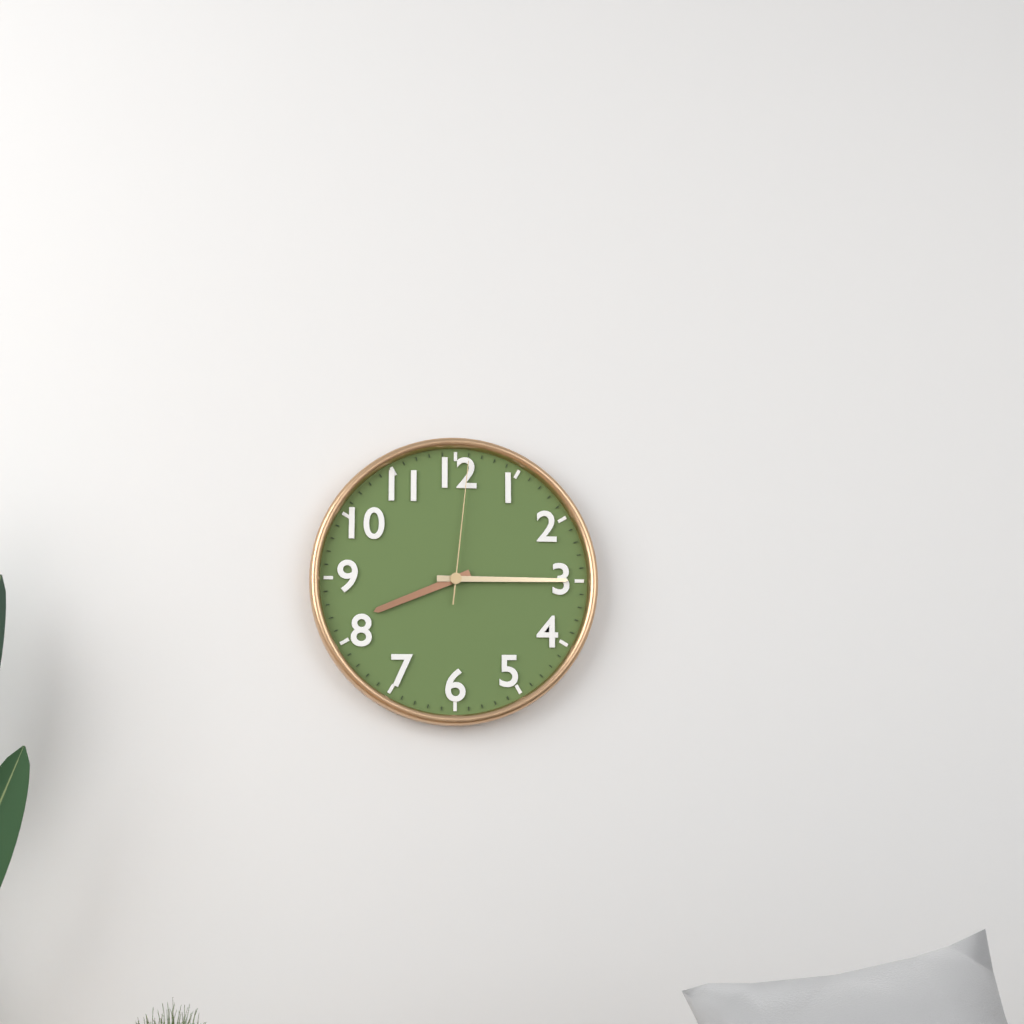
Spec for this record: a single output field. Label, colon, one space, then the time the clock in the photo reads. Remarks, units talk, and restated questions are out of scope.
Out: 8:15:01
